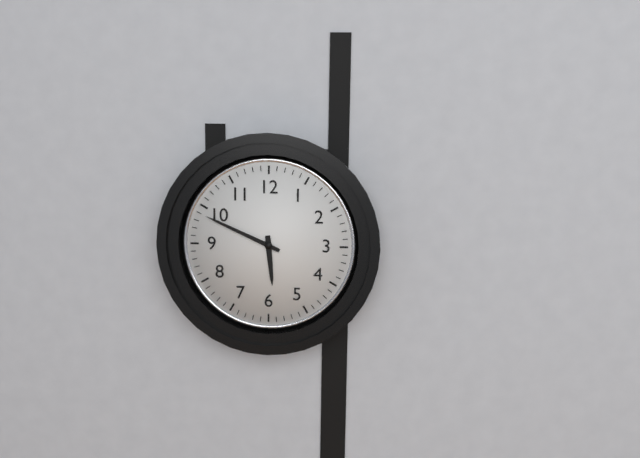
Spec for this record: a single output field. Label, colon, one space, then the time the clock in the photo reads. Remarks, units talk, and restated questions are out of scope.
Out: 5:49
